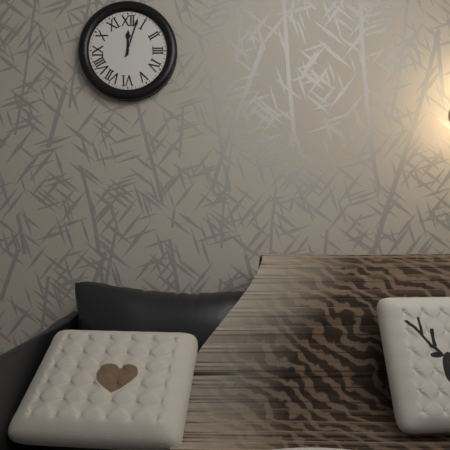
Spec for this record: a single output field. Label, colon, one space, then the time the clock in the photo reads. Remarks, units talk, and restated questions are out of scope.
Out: 12:03
